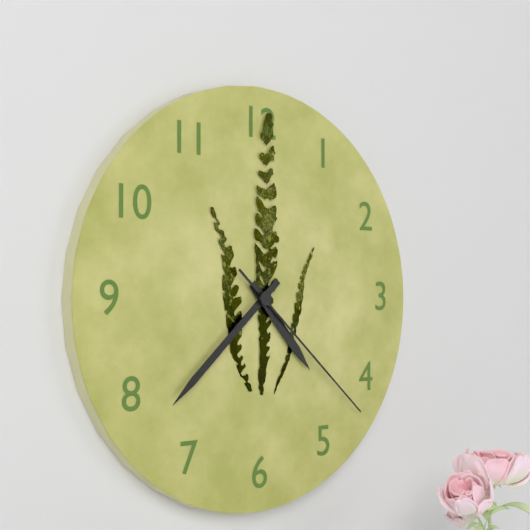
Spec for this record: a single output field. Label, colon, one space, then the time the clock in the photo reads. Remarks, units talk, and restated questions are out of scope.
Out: 4:38:22
